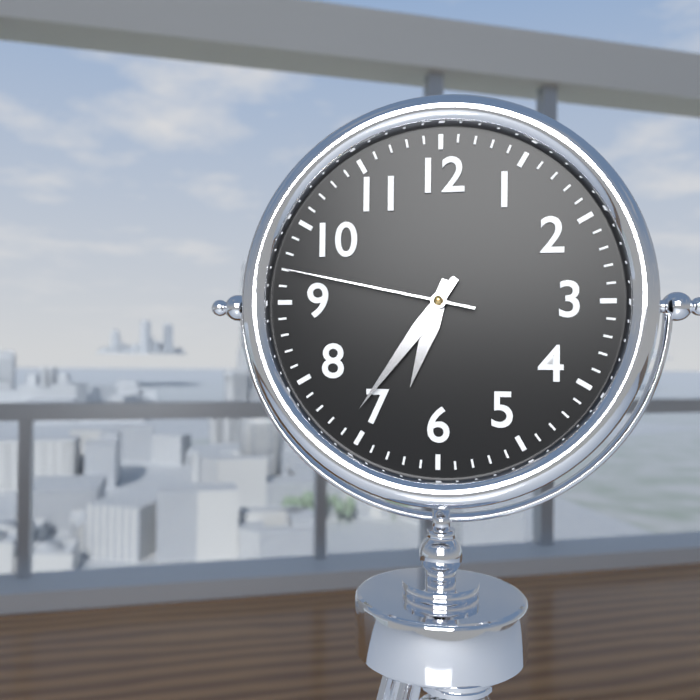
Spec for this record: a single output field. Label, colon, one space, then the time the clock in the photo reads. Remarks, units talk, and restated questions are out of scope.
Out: 6:36:47
